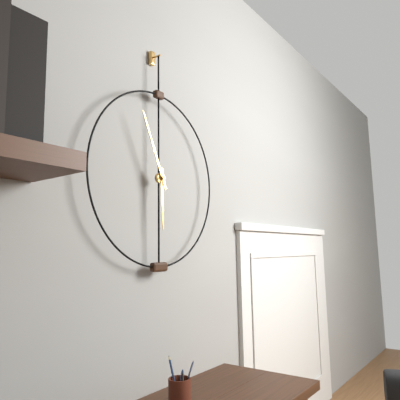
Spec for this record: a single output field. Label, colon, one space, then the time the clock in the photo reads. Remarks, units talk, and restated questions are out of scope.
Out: 5:56
